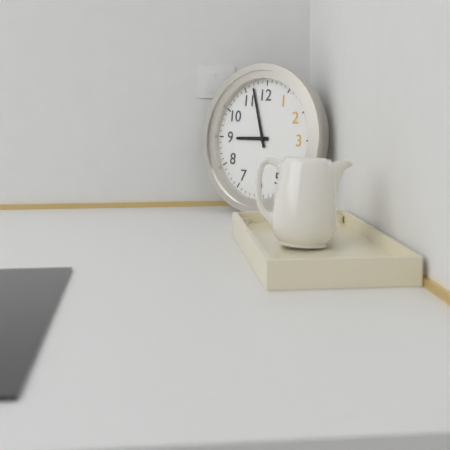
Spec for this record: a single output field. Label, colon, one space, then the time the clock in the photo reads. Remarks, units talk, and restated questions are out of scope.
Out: 8:57
